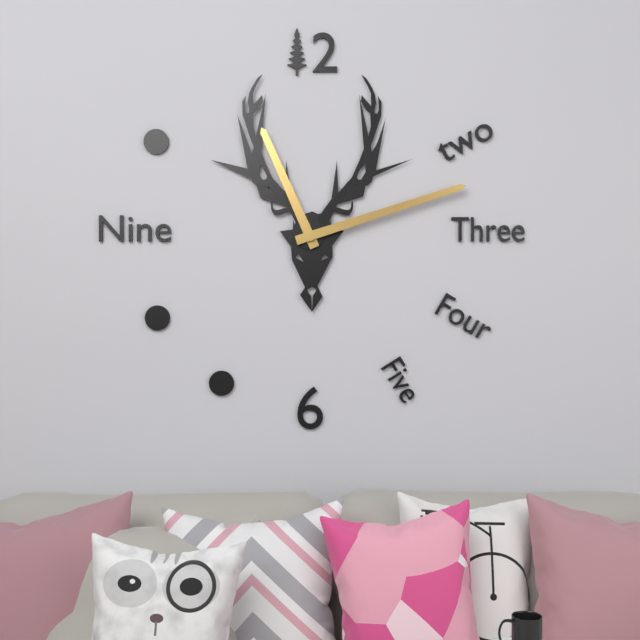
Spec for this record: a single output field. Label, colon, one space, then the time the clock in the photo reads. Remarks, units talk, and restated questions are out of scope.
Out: 11:12
